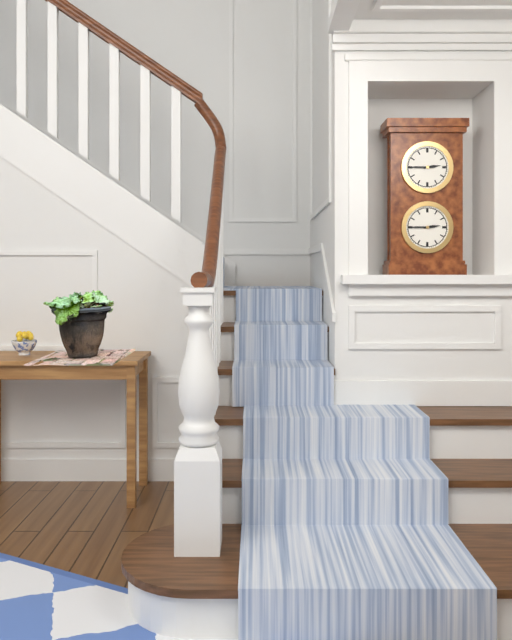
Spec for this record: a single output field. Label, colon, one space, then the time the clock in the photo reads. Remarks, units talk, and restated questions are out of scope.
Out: 2:45
